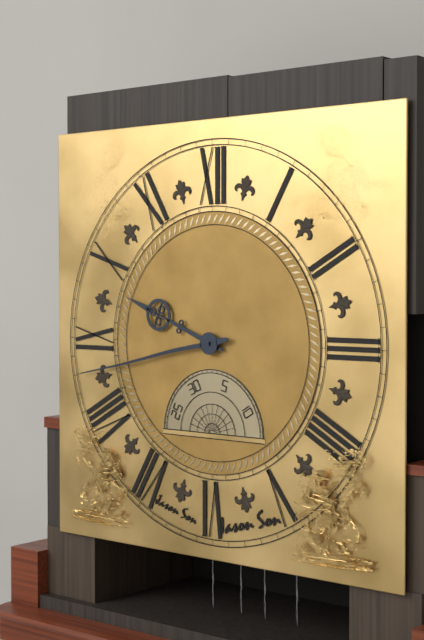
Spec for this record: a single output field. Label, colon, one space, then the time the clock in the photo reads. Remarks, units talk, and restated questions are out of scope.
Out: 9:43
